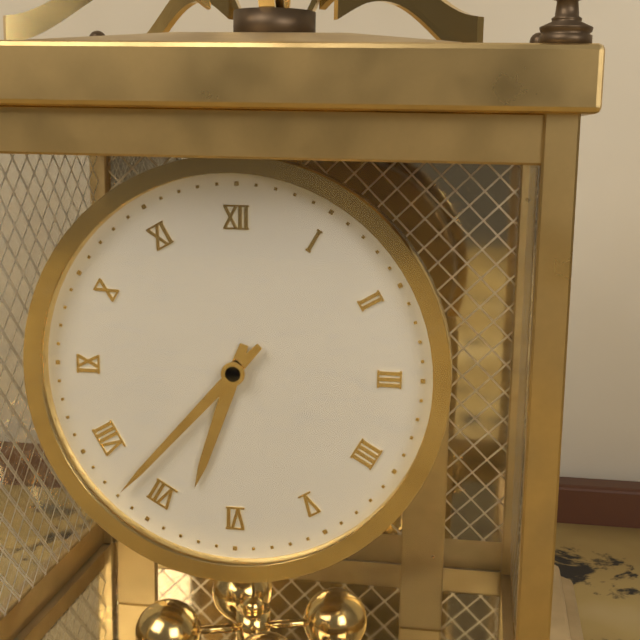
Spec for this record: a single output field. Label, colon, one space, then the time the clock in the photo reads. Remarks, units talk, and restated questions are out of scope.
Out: 6:37
